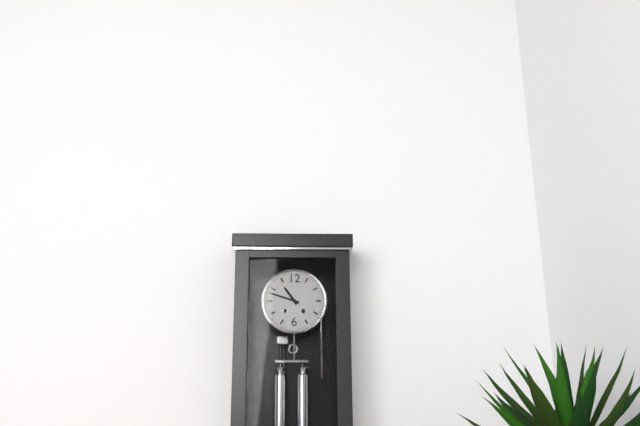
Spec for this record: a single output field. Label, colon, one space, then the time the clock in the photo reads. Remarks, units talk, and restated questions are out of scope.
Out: 10:48
